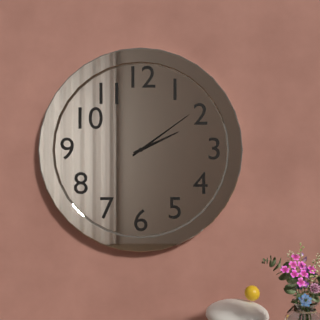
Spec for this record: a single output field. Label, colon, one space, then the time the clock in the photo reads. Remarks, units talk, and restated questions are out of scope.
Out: 2:09
